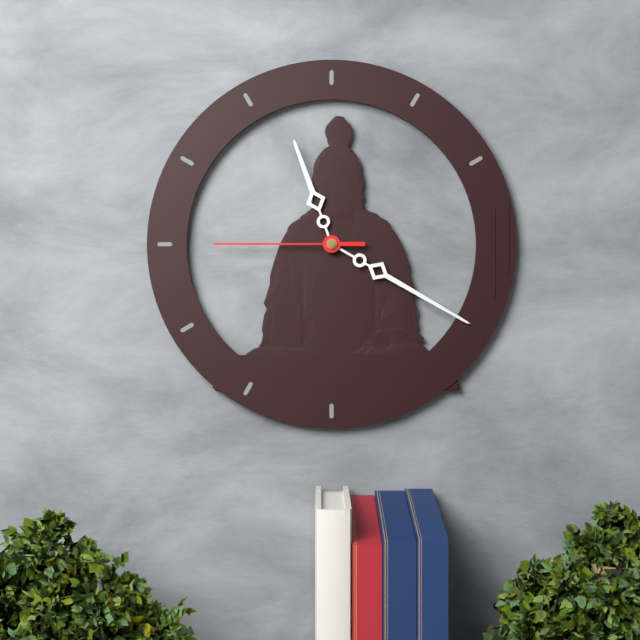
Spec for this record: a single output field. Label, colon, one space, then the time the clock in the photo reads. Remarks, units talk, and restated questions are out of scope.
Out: 11:20:45
